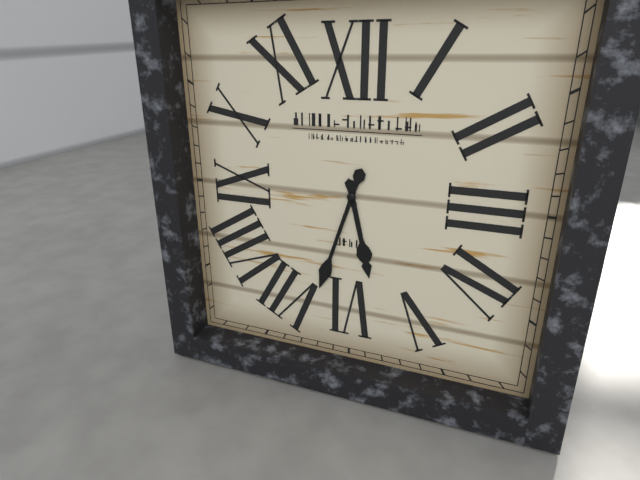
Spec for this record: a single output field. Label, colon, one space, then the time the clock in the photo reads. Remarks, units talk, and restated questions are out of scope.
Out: 5:33
